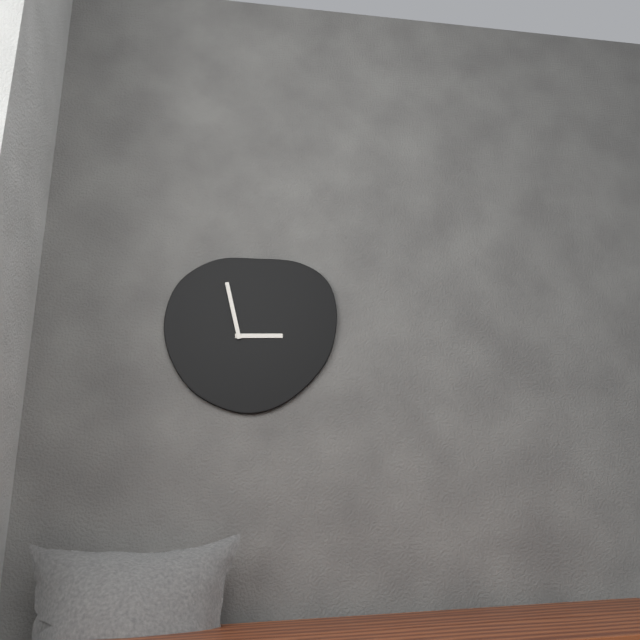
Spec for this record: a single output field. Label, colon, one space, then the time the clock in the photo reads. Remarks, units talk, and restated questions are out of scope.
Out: 2:58
